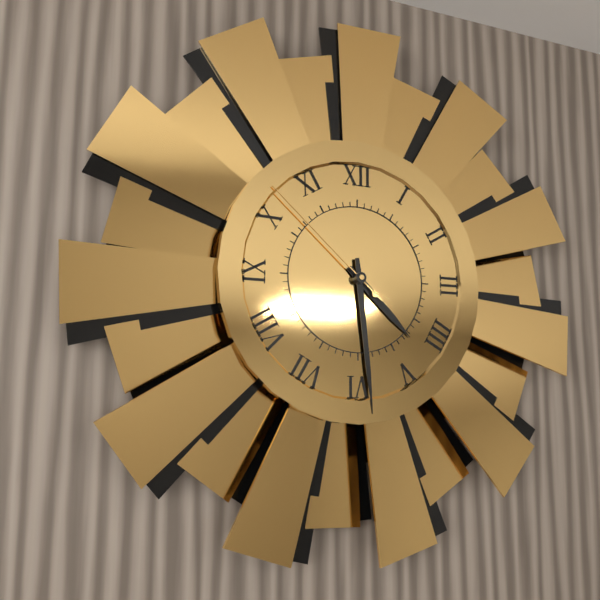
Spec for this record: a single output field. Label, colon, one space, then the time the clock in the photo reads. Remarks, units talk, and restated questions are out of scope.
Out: 4:29:52
